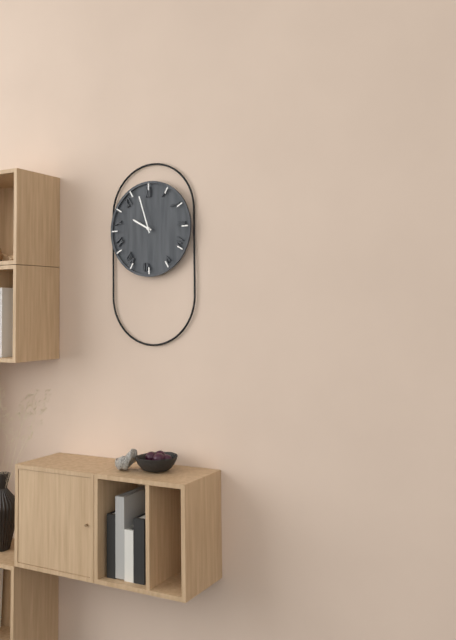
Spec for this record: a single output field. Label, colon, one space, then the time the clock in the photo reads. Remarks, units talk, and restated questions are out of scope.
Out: 9:57
